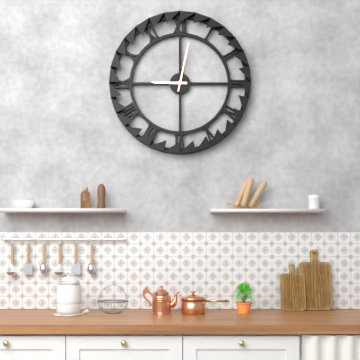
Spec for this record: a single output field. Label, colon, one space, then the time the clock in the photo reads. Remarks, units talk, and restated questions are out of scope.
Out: 9:02
